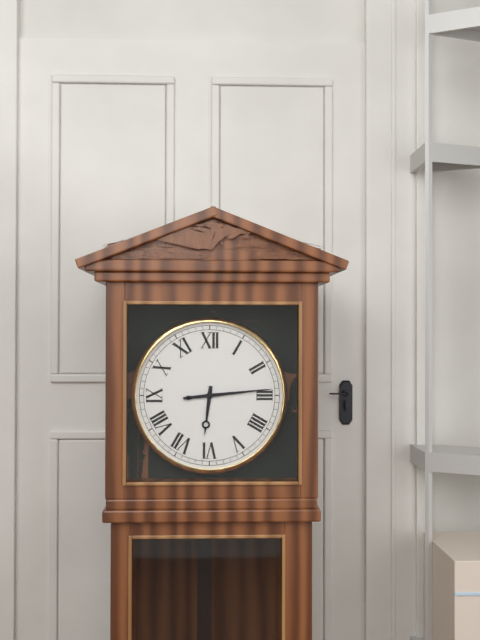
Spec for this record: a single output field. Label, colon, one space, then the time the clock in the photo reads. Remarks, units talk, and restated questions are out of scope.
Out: 6:14
